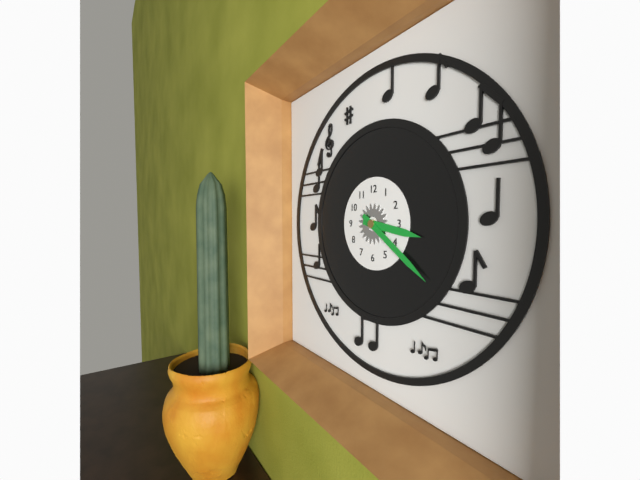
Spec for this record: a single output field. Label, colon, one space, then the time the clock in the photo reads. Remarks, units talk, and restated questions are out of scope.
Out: 3:21
